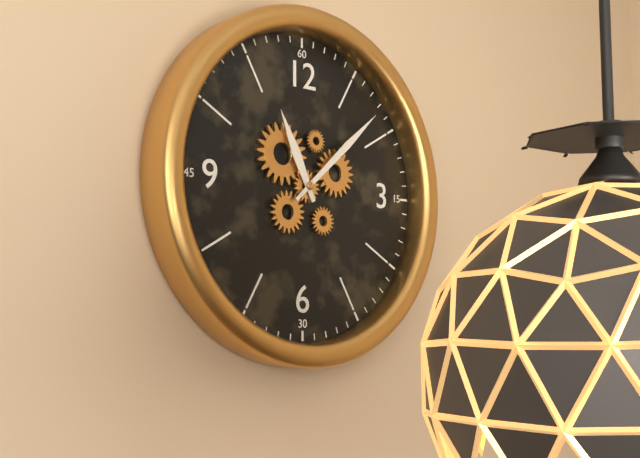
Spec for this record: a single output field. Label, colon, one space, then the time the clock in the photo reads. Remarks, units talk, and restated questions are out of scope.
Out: 11:08
